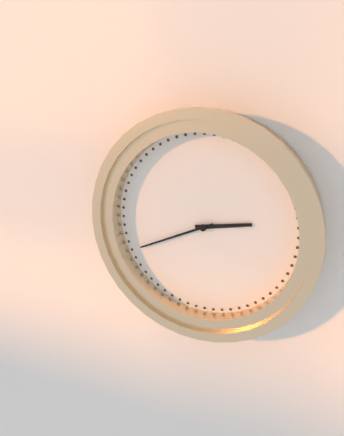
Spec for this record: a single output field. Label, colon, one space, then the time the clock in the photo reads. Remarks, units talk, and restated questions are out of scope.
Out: 2:41
